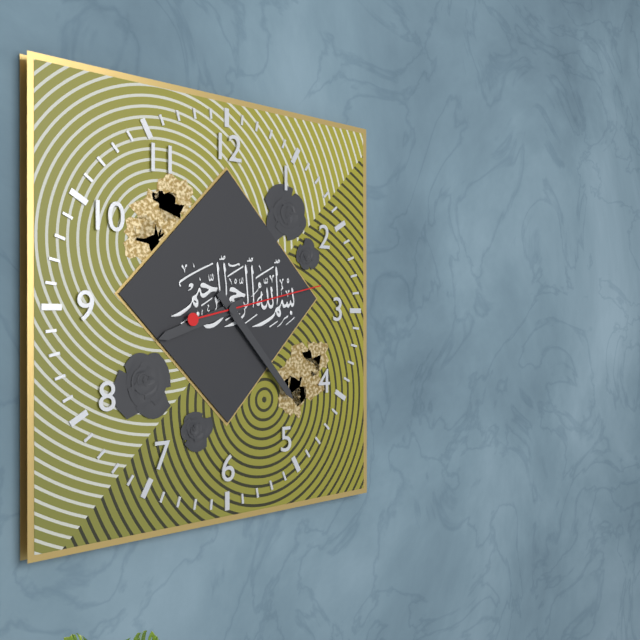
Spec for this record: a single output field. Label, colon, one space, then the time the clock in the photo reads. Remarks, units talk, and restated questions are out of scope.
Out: 8:23:13
